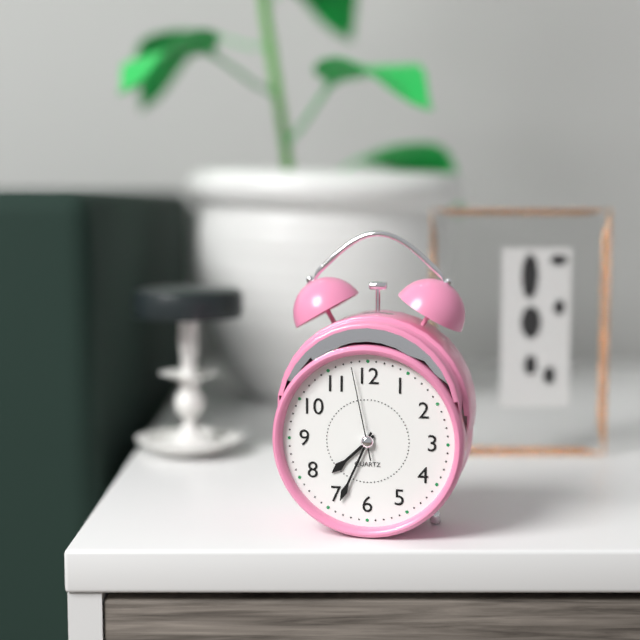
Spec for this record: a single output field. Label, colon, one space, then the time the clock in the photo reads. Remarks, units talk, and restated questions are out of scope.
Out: 7:34:58
